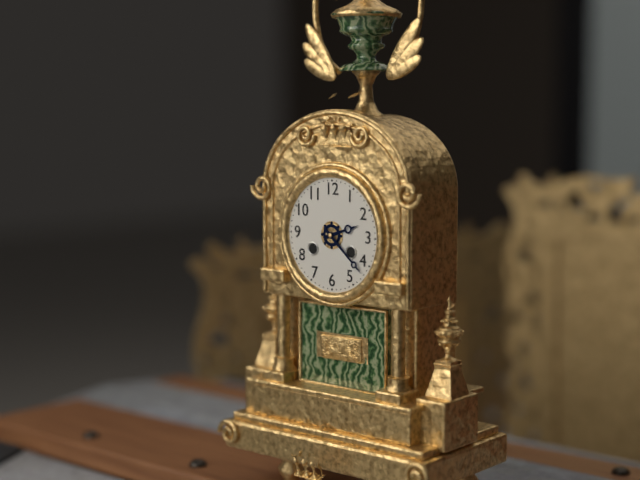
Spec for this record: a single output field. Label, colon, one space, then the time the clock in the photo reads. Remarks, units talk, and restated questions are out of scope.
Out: 2:22
